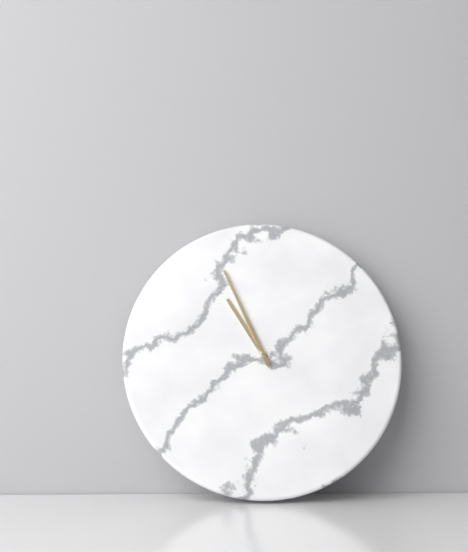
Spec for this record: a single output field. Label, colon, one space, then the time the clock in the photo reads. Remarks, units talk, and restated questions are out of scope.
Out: 10:56
